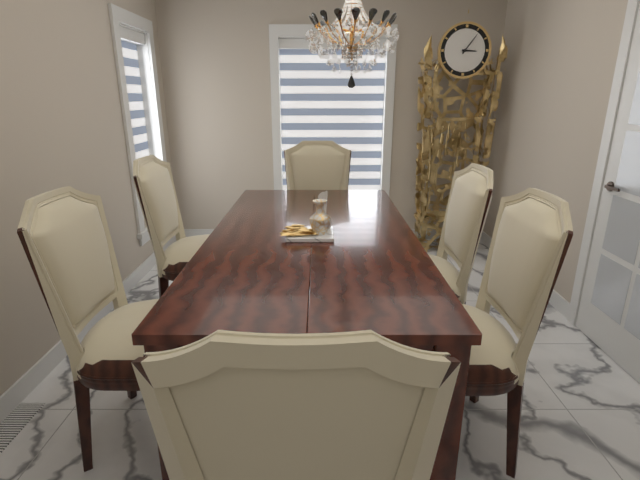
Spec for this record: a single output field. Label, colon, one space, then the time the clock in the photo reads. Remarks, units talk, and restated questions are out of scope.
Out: 3:06
